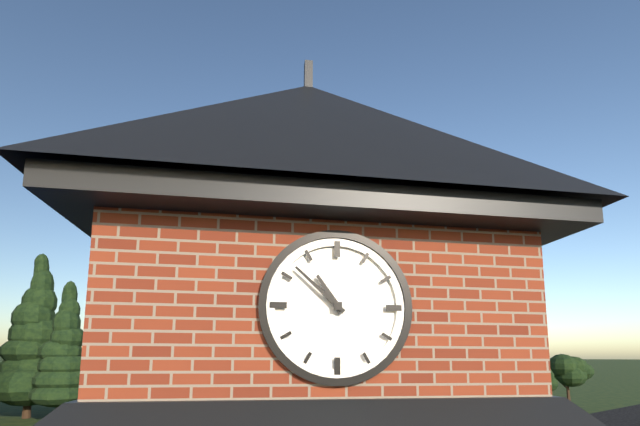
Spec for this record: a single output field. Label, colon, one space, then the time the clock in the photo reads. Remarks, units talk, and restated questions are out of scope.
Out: 10:52
